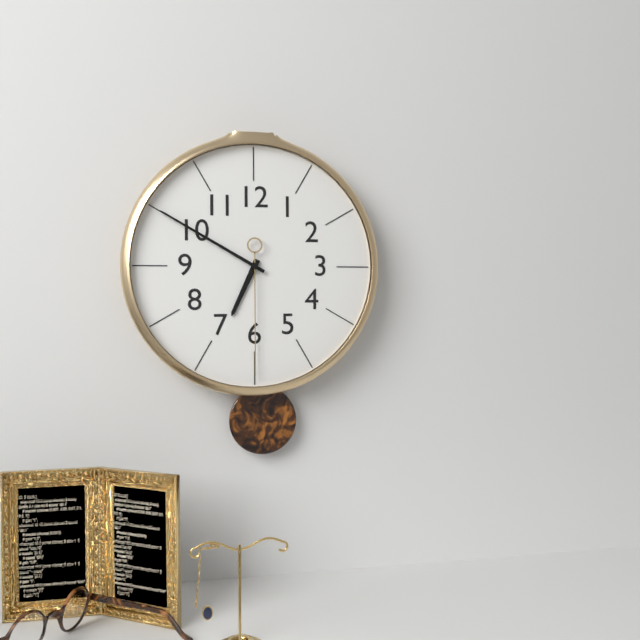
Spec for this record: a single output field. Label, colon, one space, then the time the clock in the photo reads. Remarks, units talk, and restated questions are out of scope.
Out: 6:50:30
